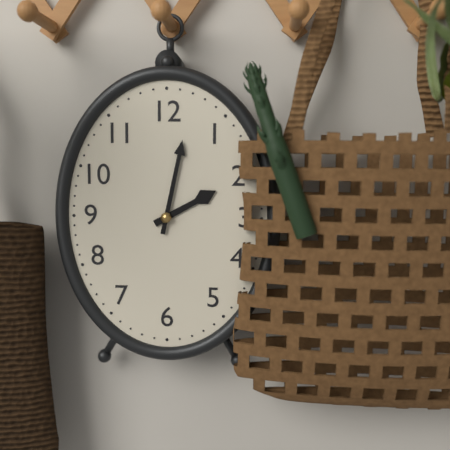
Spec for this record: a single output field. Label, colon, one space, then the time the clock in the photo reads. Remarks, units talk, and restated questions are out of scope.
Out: 2:02
